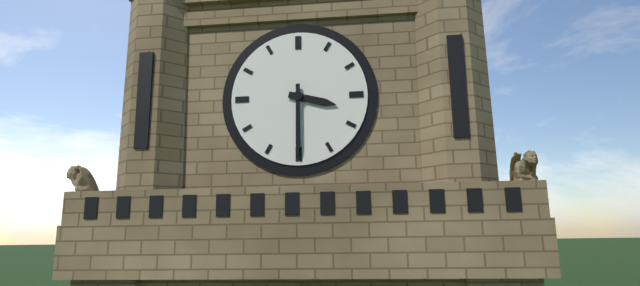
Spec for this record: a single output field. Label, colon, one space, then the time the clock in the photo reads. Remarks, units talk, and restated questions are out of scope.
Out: 3:30
